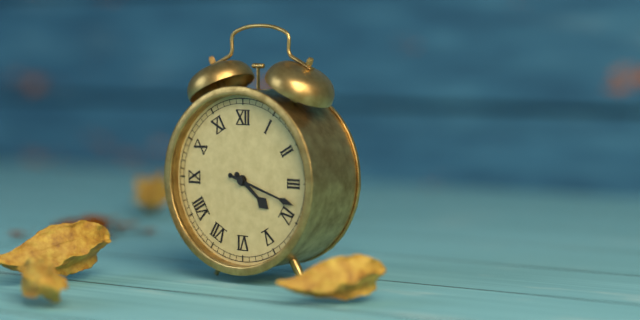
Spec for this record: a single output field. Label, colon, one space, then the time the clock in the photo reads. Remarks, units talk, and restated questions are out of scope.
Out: 4:18
